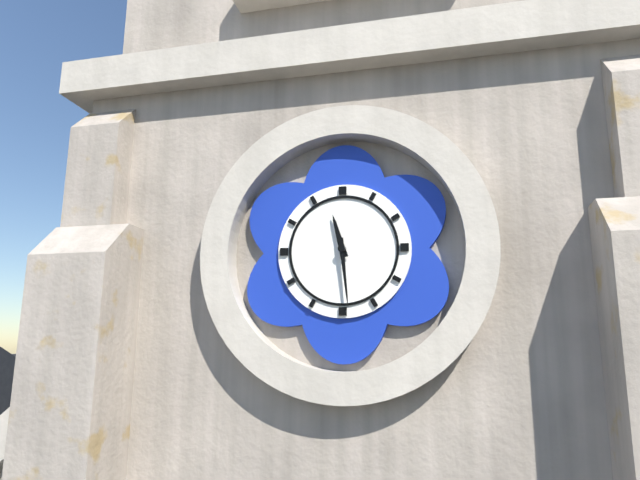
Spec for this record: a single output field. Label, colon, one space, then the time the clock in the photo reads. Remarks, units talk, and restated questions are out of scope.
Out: 11:29
